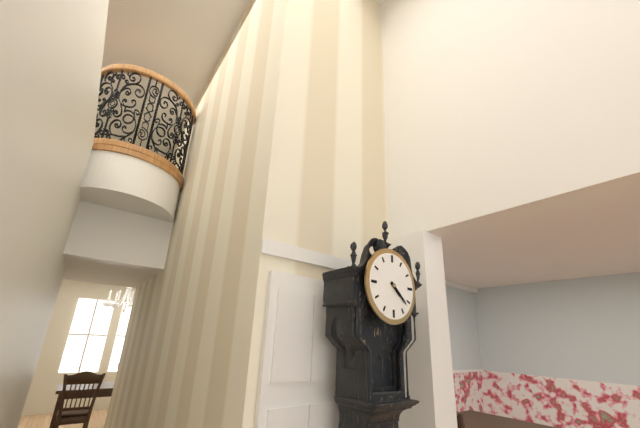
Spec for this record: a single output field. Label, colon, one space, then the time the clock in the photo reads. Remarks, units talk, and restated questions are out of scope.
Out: 4:22
